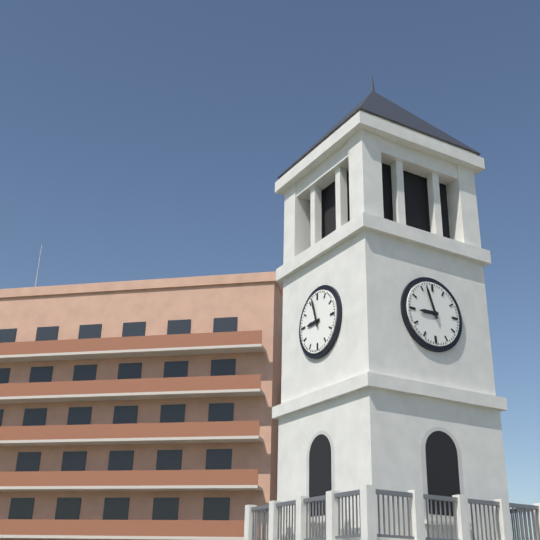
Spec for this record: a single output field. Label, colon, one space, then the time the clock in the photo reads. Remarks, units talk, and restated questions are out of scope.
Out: 8:57
